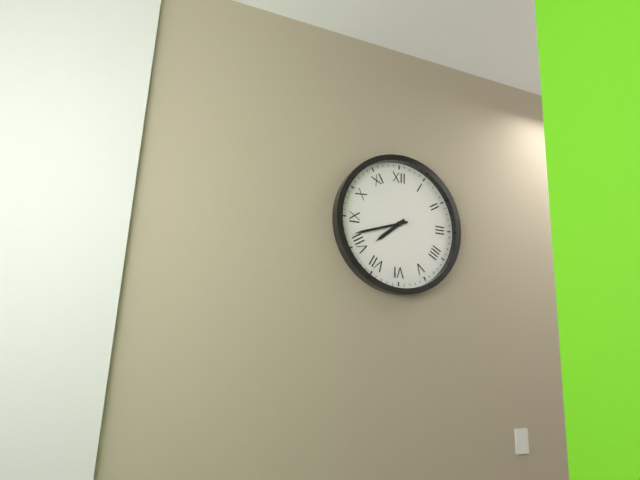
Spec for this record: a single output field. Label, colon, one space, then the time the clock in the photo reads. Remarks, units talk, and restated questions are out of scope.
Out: 7:42
